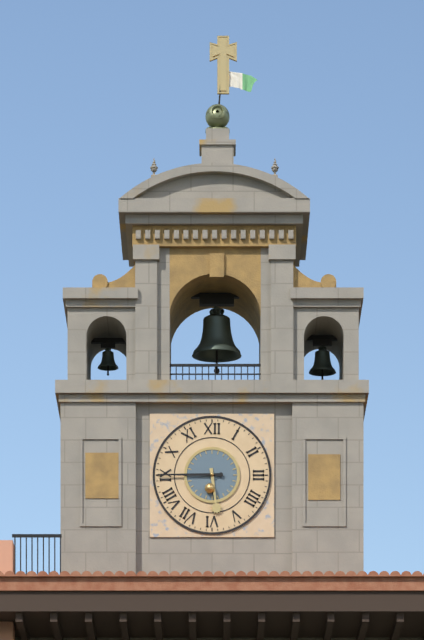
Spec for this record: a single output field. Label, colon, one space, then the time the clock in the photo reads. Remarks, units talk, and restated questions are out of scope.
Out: 5:45
